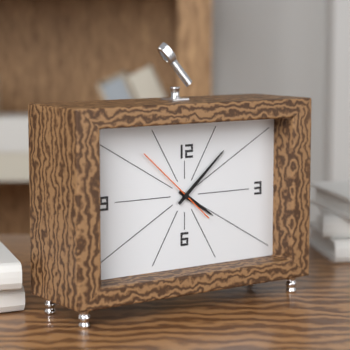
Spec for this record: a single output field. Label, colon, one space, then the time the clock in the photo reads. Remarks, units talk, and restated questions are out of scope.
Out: 4:08:52
